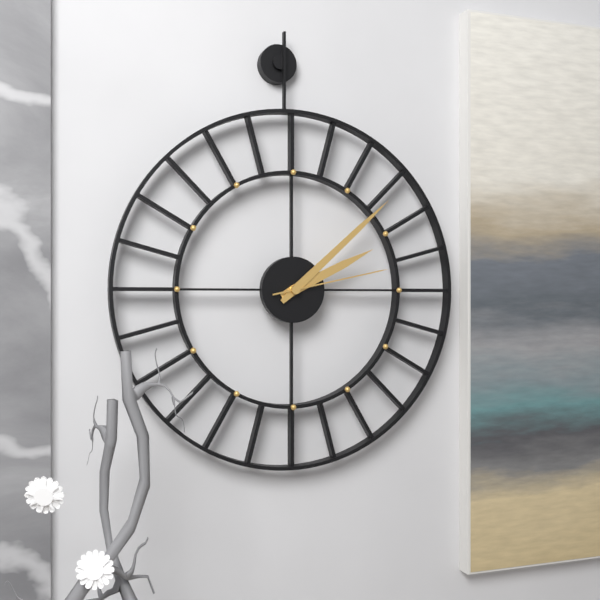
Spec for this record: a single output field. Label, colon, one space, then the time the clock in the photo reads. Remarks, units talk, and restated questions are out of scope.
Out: 2:08:13
